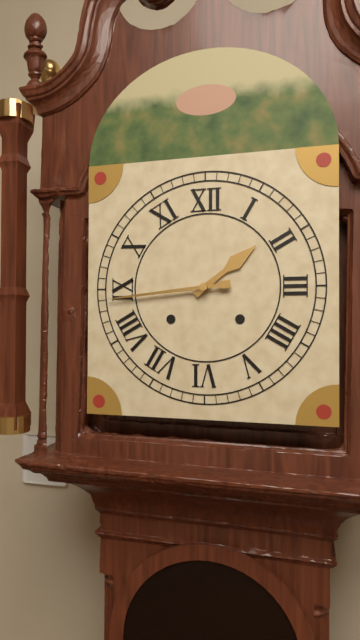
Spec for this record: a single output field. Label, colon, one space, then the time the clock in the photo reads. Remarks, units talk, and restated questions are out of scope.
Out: 1:44
